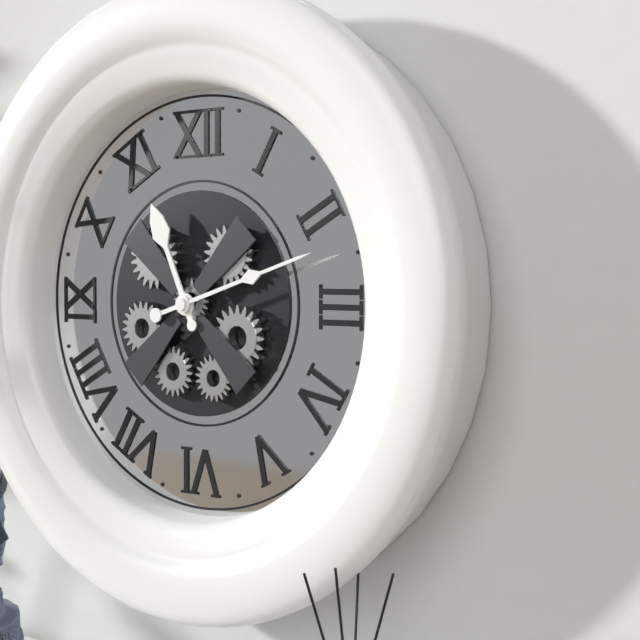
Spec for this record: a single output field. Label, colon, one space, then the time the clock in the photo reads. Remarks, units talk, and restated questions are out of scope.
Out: 11:12
